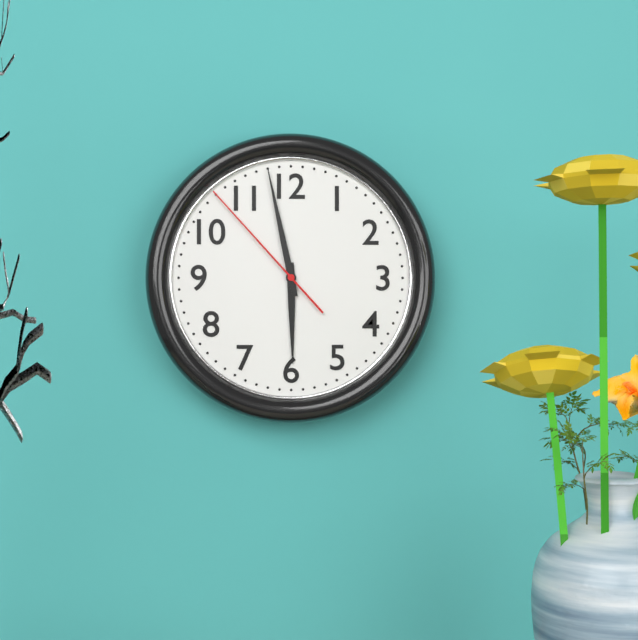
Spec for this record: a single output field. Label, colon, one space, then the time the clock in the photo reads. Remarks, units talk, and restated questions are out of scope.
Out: 5:58:53
